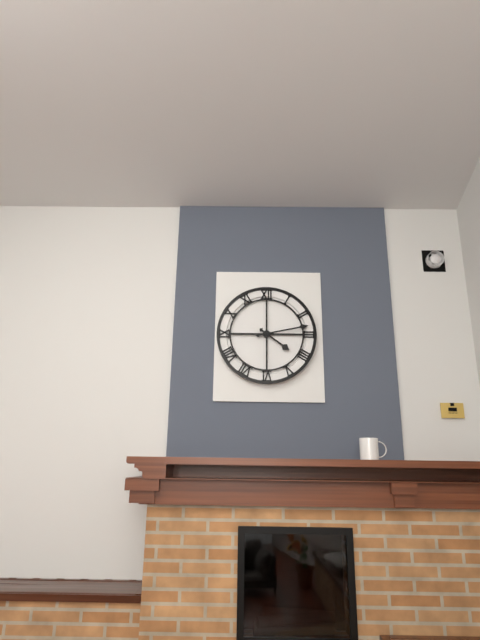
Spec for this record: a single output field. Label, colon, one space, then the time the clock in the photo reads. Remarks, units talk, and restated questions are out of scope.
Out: 4:13
